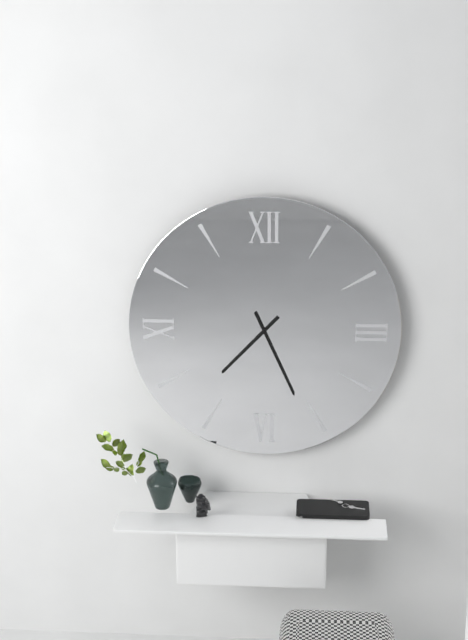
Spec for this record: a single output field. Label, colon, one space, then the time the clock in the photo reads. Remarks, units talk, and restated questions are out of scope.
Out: 7:26
